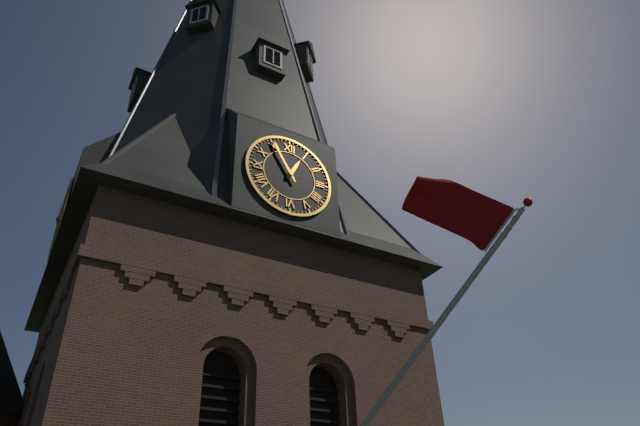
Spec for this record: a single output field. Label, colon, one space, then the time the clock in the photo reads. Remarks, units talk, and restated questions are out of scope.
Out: 12:55
